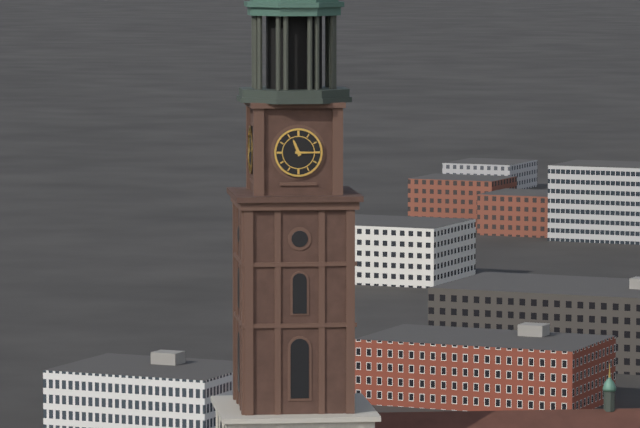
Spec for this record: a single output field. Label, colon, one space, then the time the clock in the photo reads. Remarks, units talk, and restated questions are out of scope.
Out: 11:15
